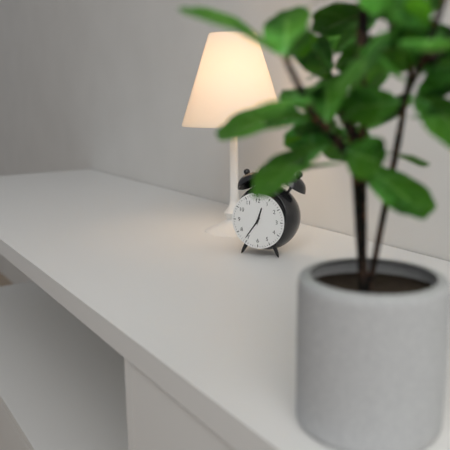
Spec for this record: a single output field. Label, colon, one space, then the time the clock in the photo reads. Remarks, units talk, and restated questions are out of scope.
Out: 12:36
